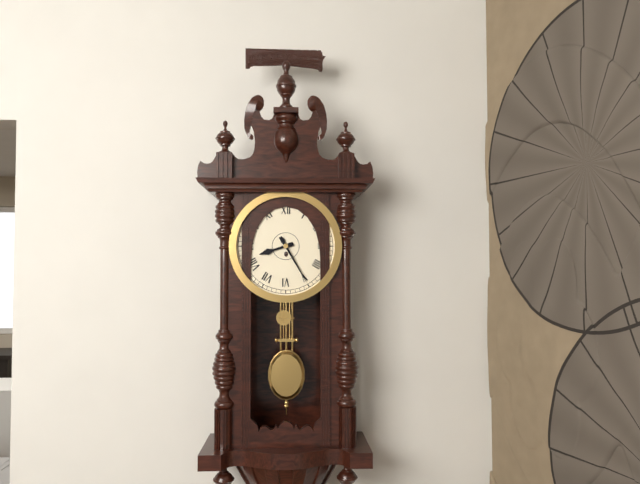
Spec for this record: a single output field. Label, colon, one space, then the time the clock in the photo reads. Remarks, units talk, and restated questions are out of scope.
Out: 8:25
